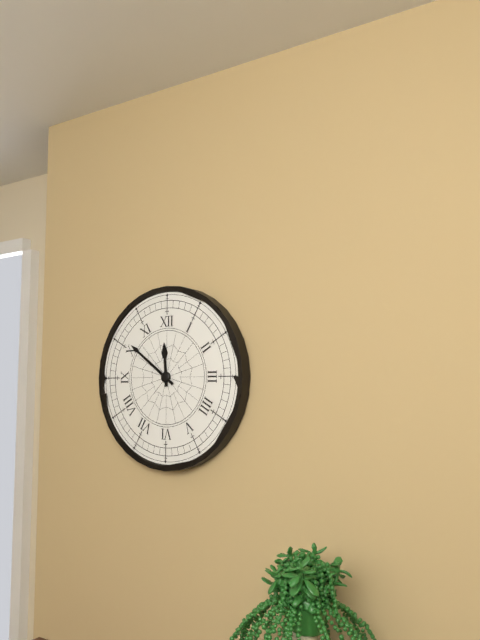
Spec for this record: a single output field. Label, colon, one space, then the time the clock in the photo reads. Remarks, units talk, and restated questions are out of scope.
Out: 11:51
